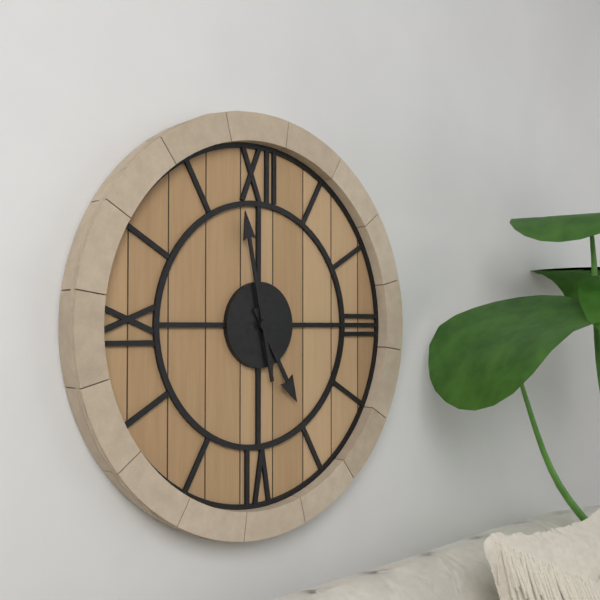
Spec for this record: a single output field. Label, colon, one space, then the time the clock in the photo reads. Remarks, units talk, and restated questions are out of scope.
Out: 4:58
